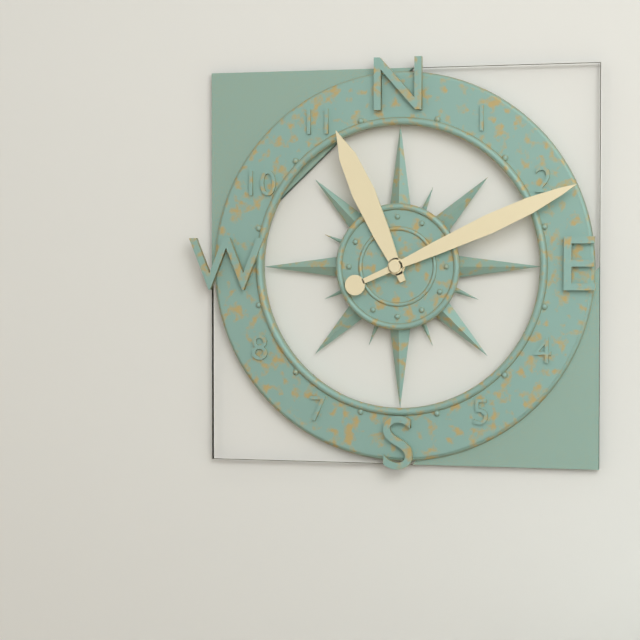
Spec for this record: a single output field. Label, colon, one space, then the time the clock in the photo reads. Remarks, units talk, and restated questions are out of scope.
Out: 11:11
